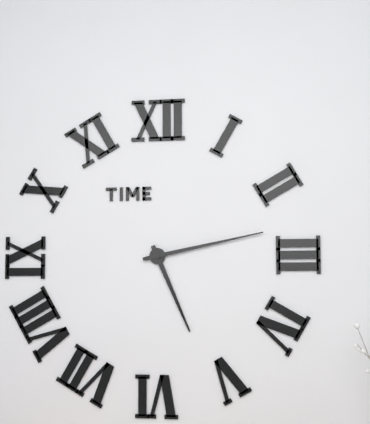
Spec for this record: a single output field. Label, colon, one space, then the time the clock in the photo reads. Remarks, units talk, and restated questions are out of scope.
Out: 5:13
